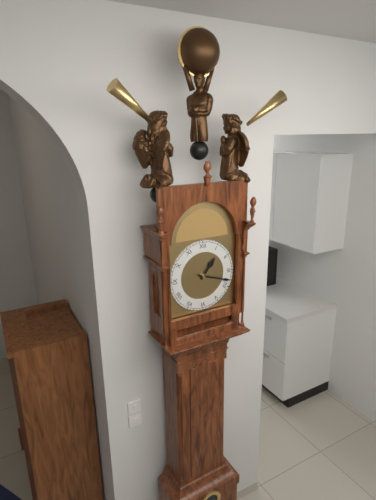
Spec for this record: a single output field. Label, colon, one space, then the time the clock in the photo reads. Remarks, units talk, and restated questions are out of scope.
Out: 1:18
